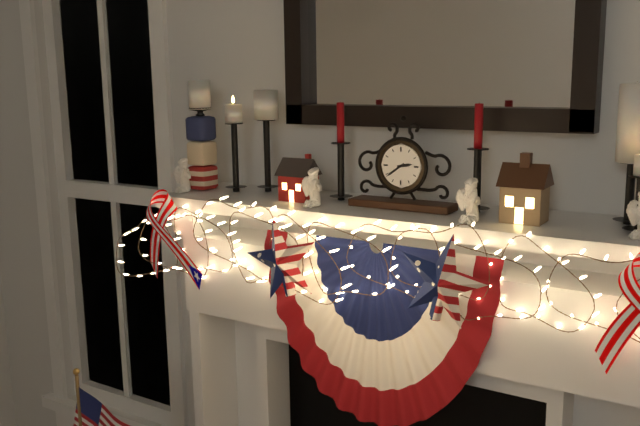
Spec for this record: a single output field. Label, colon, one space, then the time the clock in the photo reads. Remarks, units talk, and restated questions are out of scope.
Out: 2:39
